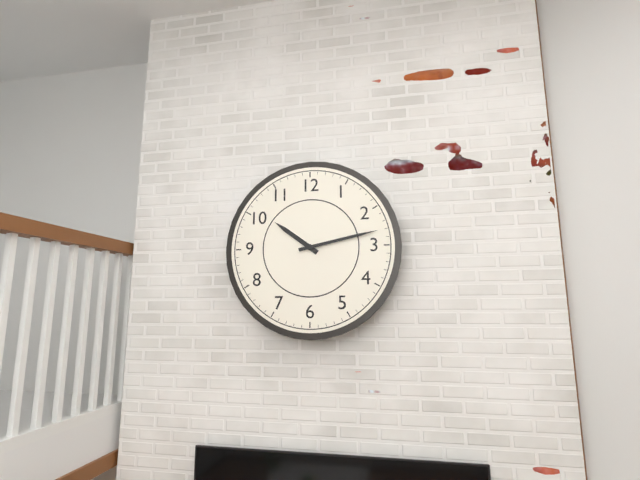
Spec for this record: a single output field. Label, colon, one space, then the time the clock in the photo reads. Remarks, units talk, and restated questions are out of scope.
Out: 10:13
